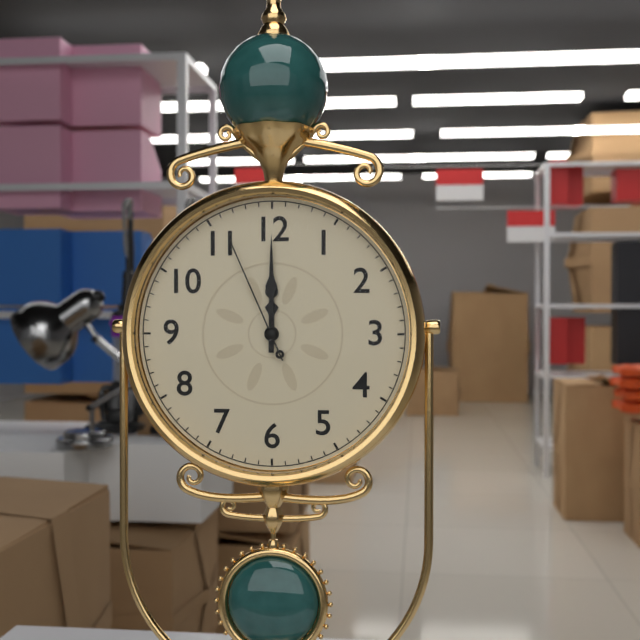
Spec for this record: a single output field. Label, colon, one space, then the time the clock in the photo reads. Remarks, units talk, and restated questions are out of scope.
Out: 12:00:56
